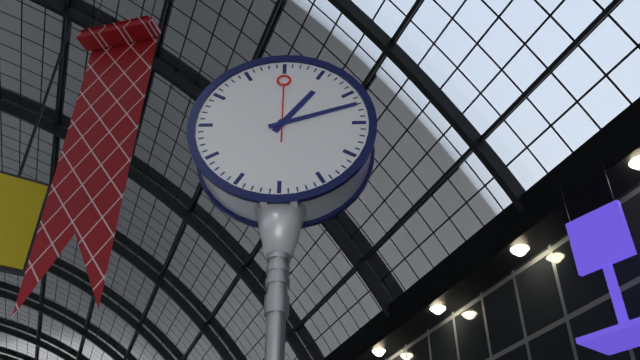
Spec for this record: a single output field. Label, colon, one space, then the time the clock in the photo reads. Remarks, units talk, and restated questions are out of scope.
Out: 1:12:00
